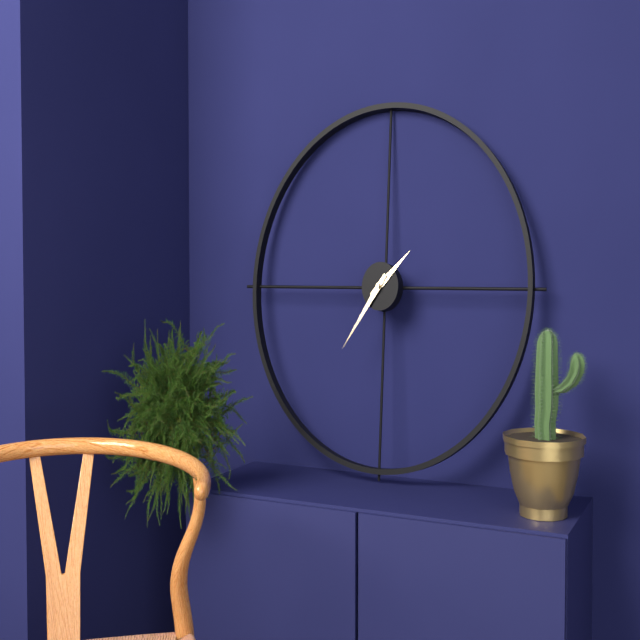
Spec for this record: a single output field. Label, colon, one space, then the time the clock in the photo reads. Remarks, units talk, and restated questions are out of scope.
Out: 1:36
